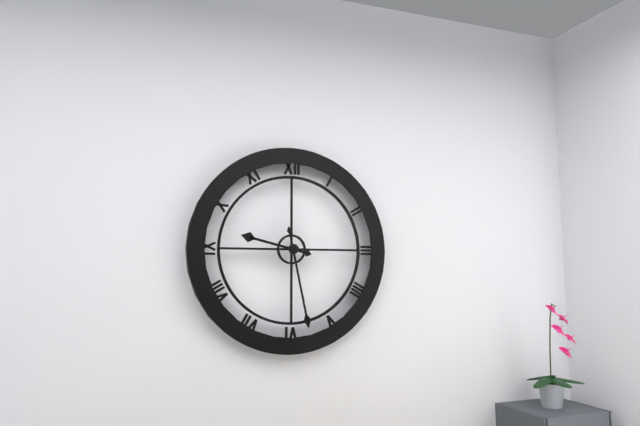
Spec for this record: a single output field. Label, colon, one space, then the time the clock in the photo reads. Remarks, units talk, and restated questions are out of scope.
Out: 9:28
